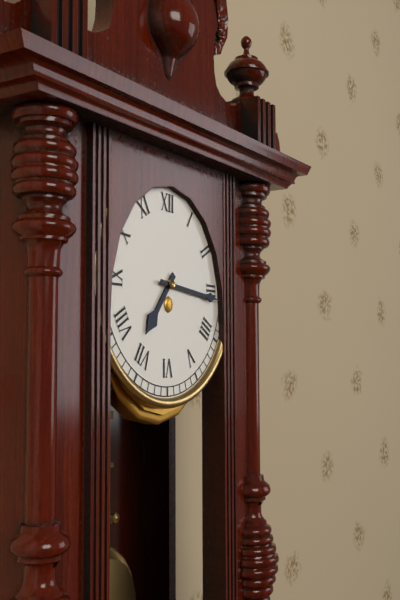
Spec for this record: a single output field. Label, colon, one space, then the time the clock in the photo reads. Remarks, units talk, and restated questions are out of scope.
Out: 7:16
